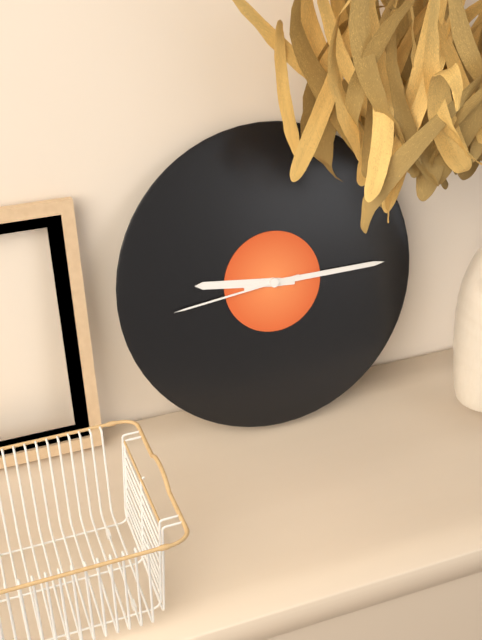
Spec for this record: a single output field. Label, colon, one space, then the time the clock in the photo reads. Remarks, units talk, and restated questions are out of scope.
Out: 9:15:44
